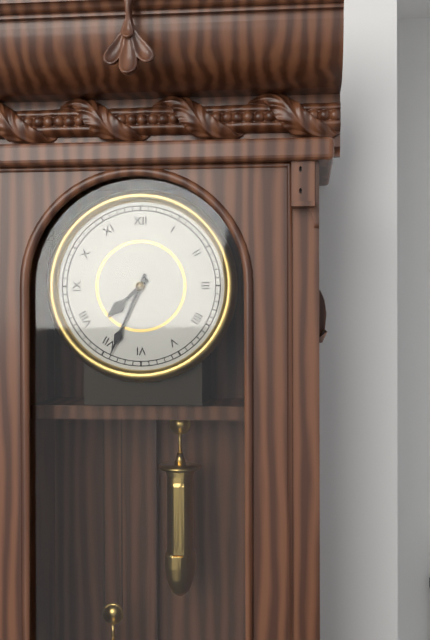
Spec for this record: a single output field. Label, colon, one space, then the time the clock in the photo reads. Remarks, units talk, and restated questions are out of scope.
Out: 7:34
